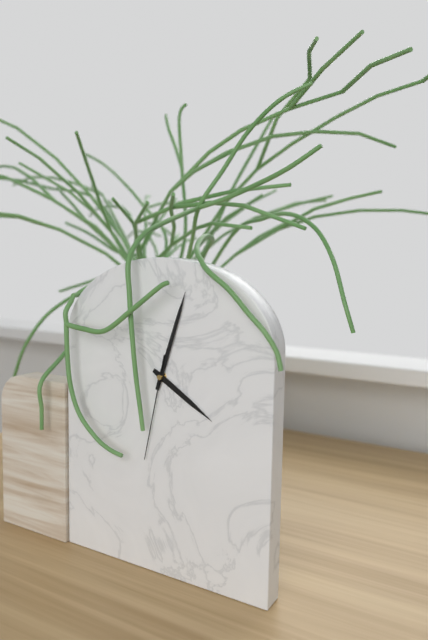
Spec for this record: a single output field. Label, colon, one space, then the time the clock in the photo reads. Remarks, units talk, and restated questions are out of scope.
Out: 4:03:32
